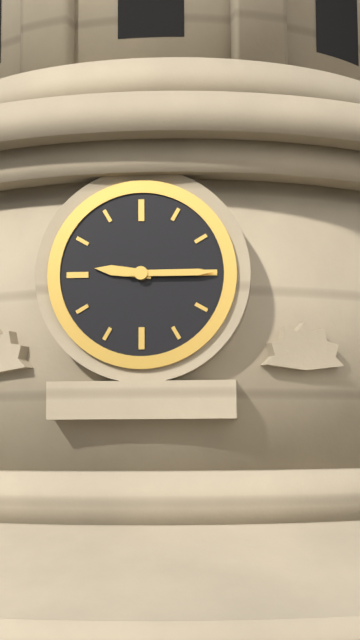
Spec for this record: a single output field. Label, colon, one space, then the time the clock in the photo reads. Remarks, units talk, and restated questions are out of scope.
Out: 9:15
